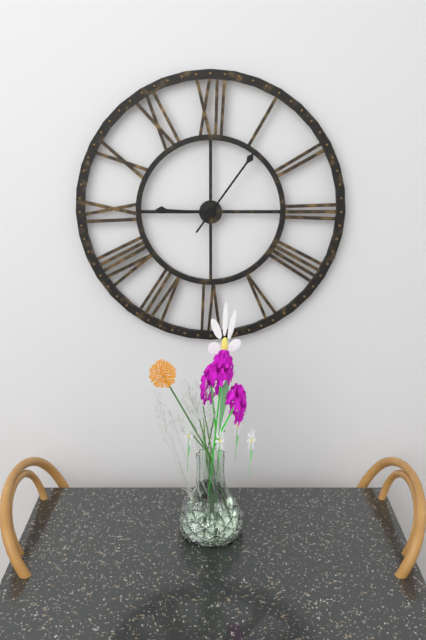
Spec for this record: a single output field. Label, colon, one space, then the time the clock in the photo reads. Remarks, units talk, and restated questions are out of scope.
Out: 9:06
